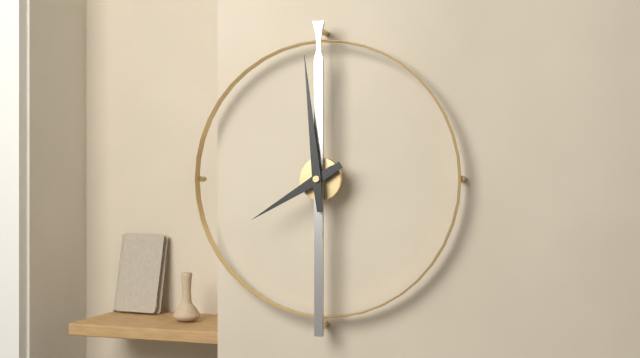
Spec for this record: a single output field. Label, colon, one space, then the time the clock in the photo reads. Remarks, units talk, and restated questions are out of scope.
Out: 7:59
